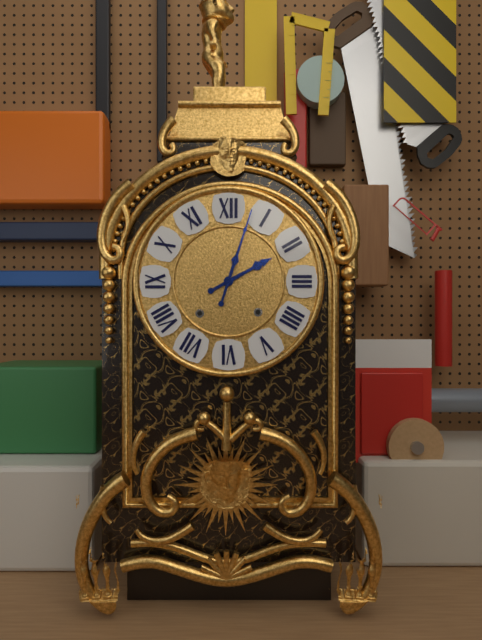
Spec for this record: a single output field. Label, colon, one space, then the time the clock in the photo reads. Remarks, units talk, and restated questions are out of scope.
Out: 2:03
